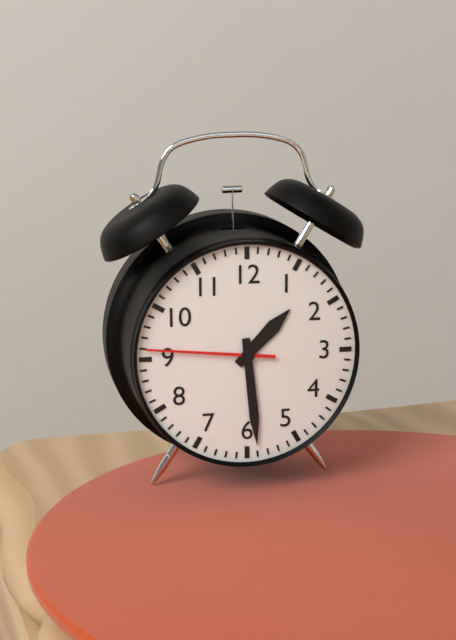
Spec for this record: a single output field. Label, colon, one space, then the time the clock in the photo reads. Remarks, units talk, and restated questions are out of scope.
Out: 1:29:46
